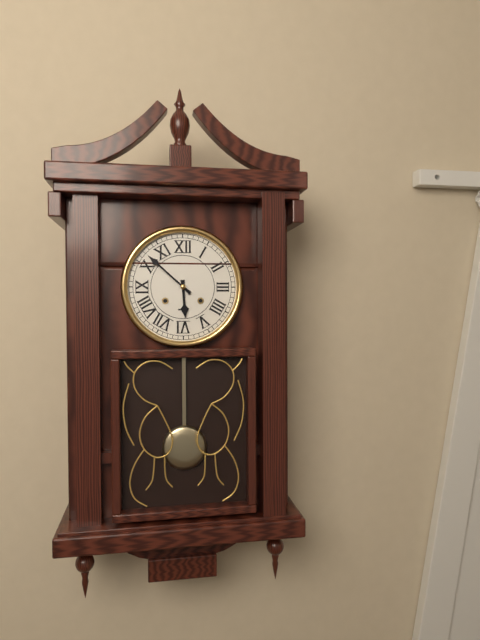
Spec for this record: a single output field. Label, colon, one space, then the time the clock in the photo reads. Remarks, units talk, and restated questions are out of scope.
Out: 5:52
